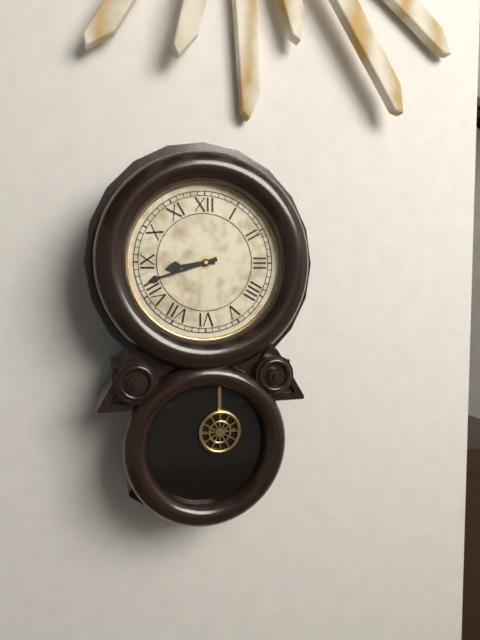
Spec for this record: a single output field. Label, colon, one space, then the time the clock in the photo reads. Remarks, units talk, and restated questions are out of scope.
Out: 8:42
